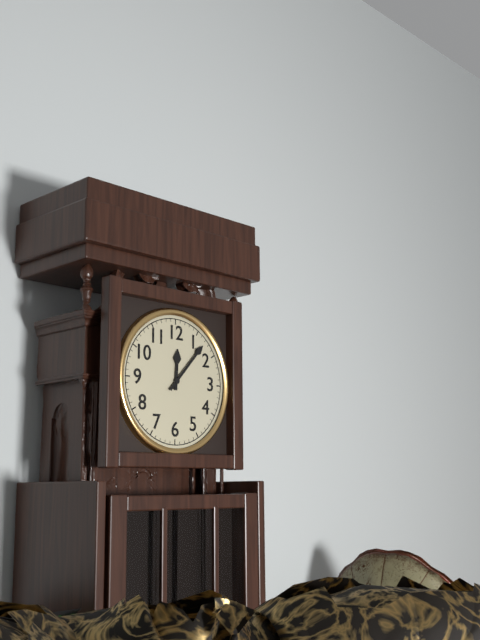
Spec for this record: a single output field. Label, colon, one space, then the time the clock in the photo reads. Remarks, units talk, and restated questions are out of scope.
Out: 12:07
